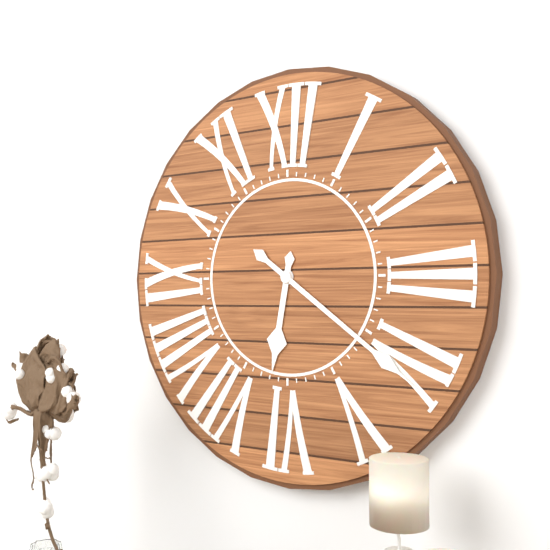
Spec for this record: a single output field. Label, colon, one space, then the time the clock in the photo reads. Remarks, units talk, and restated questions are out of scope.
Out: 6:21
